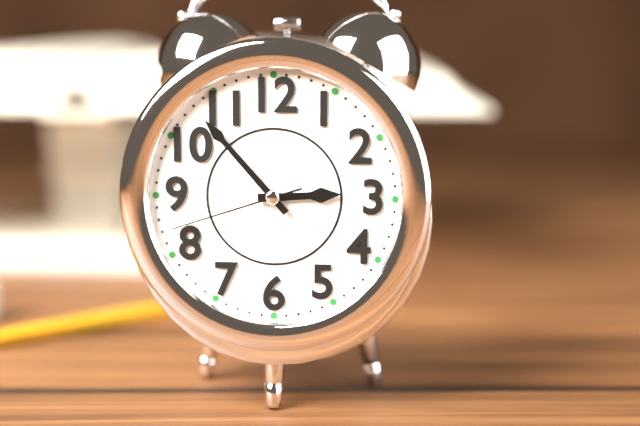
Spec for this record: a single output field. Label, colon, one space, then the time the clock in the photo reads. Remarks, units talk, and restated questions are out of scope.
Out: 2:53:42
